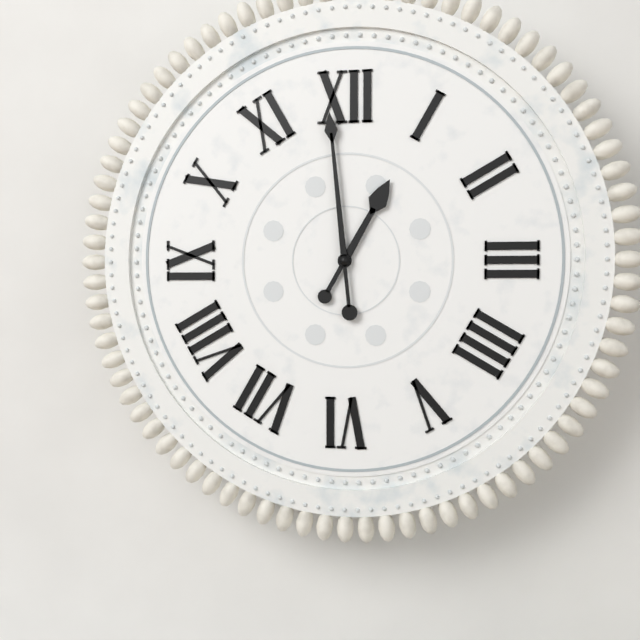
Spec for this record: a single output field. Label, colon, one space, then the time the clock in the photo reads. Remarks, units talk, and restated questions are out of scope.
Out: 12:59
